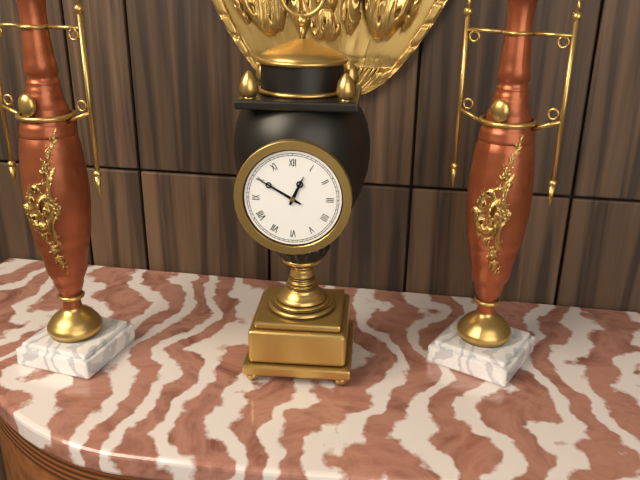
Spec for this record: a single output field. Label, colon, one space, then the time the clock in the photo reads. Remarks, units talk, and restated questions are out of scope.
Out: 12:50
